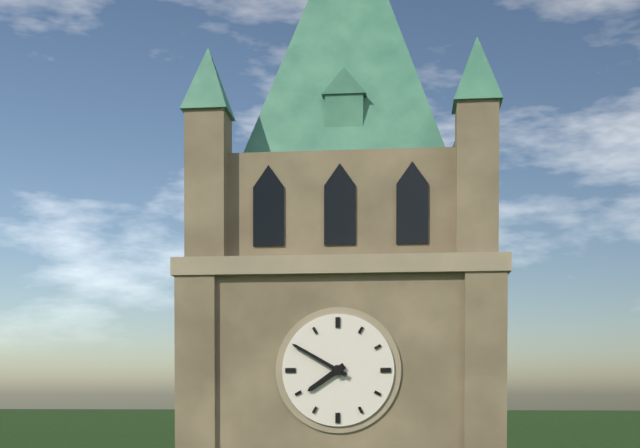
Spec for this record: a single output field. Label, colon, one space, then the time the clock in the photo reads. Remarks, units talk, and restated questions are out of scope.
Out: 7:50
